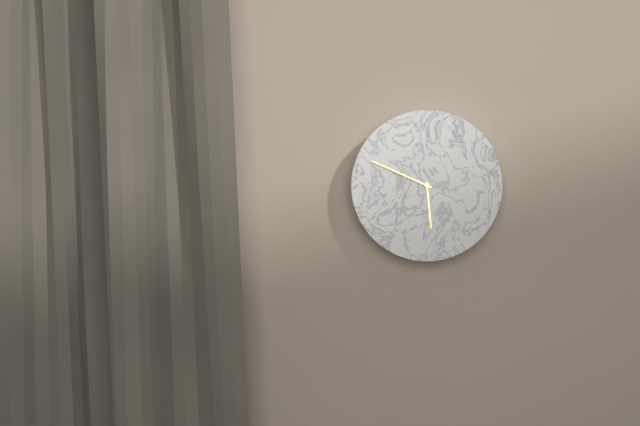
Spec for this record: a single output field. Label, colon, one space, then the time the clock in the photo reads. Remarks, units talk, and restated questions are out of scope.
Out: 5:49
